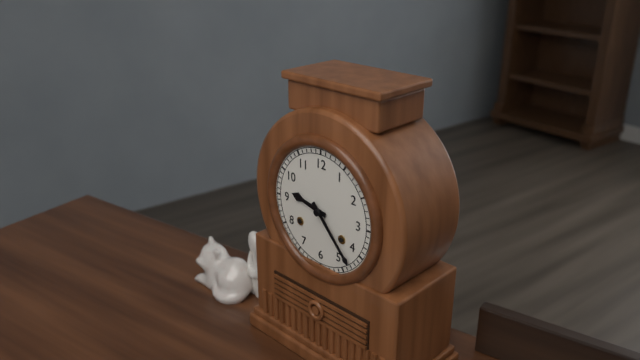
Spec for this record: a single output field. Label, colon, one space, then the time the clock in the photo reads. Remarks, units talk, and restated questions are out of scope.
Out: 9:23
